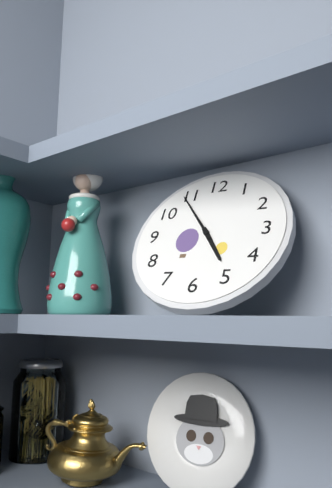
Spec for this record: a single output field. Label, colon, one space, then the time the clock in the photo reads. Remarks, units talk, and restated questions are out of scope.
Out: 4:54
